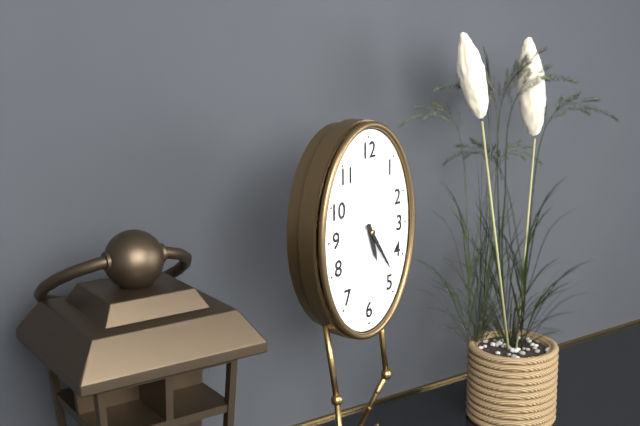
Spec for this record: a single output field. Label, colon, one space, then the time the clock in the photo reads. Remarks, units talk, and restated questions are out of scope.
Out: 5:24
